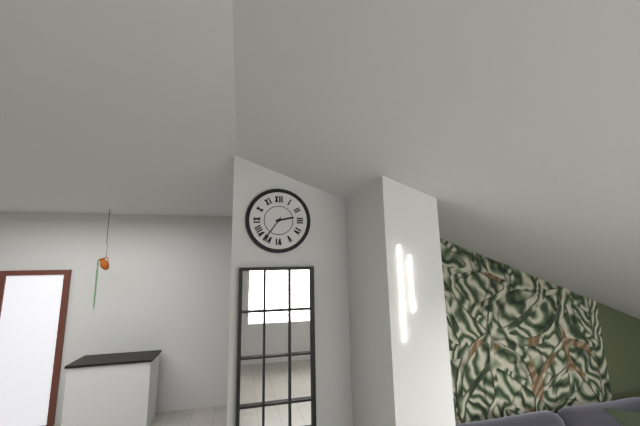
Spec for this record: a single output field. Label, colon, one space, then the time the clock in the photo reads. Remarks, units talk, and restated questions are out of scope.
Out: 2:36
